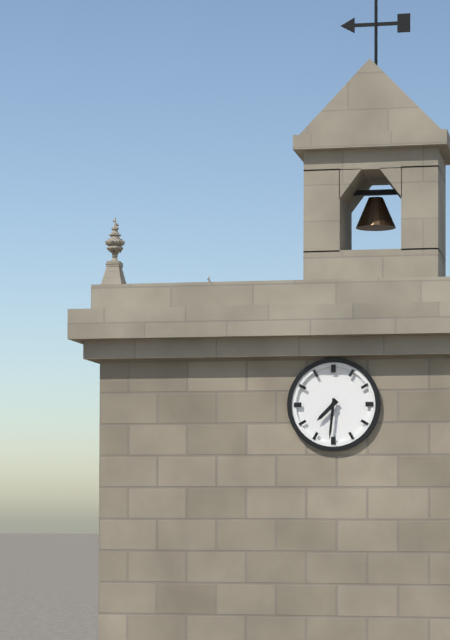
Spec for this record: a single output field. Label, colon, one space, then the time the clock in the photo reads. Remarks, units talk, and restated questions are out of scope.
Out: 7:31
